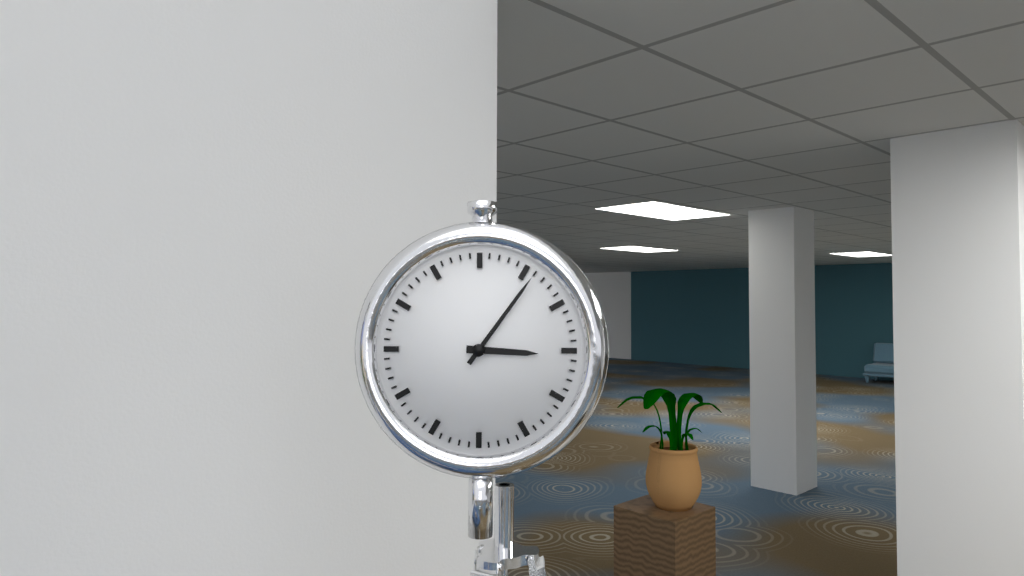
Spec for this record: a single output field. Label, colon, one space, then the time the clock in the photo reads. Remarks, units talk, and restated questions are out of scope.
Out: 3:06
